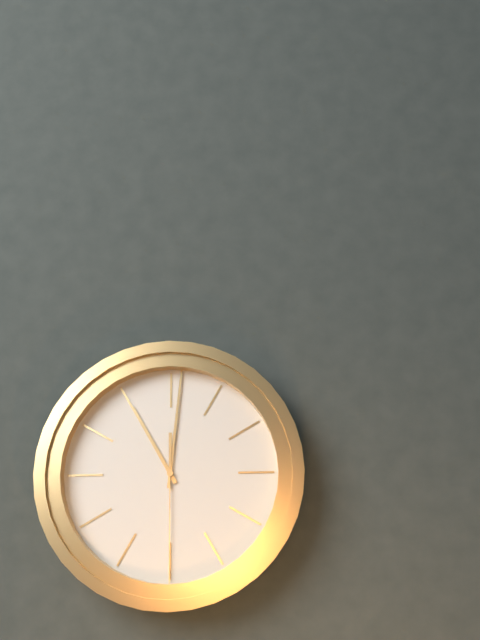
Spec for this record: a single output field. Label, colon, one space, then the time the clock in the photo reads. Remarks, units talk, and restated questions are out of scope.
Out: 11:01:30
